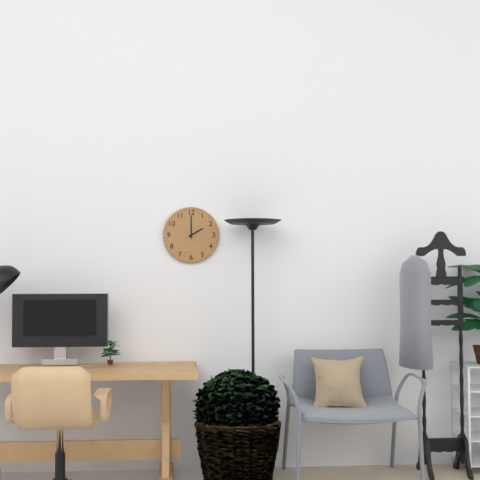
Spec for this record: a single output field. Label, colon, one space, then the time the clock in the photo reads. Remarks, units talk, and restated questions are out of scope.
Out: 2:00
